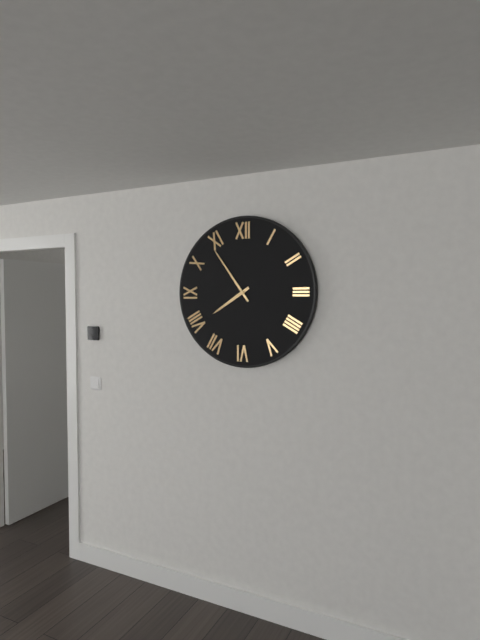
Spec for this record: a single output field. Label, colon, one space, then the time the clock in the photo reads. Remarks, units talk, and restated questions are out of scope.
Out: 7:54
